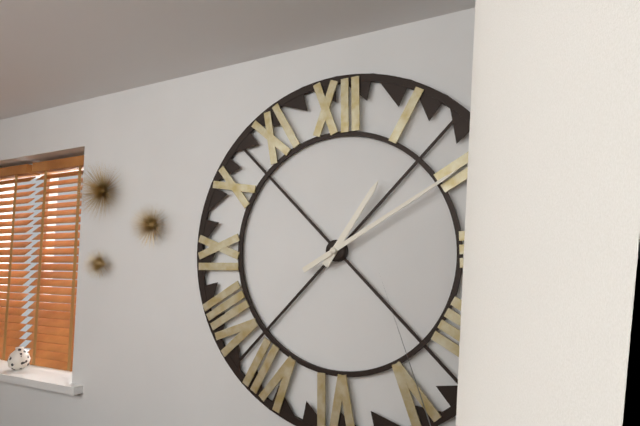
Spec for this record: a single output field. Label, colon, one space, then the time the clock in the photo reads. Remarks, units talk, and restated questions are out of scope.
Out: 1:10
